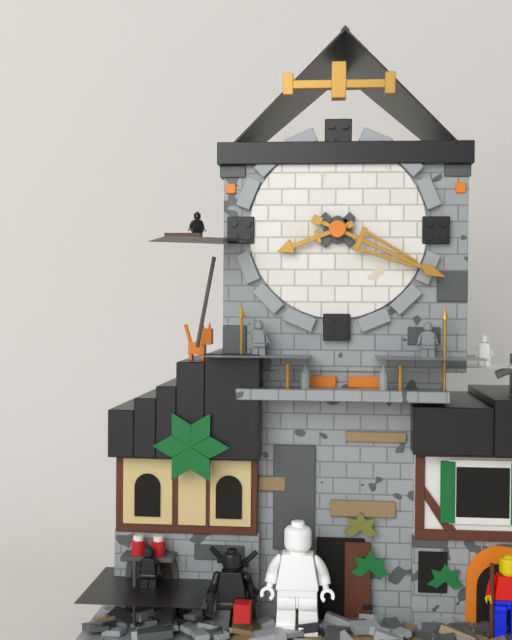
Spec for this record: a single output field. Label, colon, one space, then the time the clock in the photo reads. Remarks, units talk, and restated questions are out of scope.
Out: 8:19
